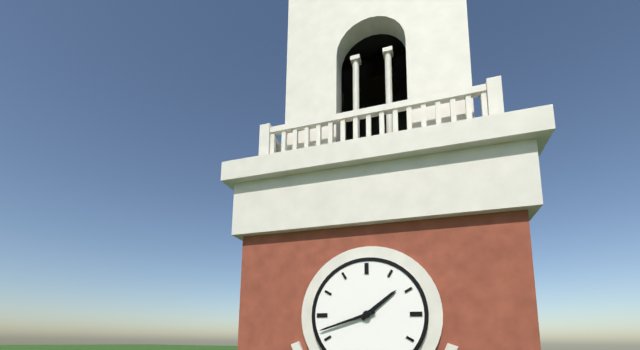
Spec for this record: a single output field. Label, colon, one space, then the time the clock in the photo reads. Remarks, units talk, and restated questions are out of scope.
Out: 1:42
